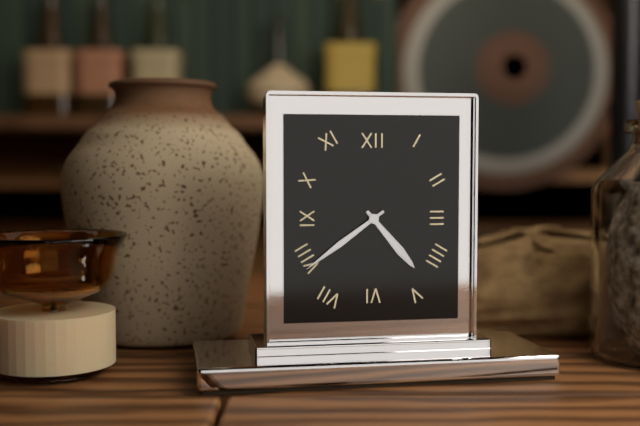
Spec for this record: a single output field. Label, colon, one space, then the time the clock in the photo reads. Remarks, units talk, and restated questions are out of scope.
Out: 4:39
